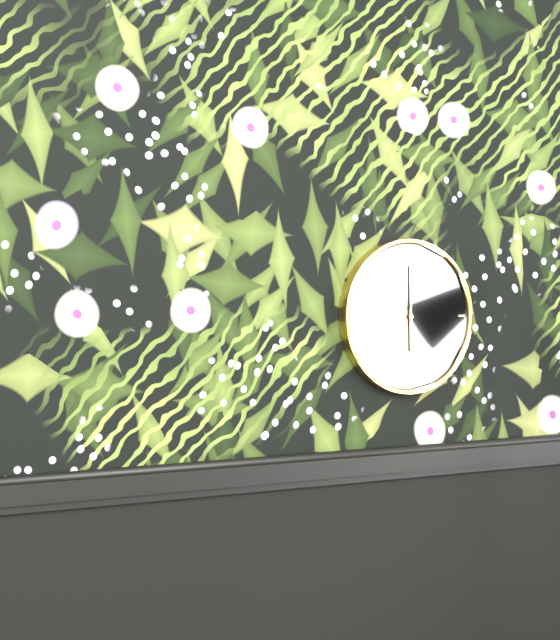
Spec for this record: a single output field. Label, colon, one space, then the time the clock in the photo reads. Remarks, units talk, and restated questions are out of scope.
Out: 6:00
